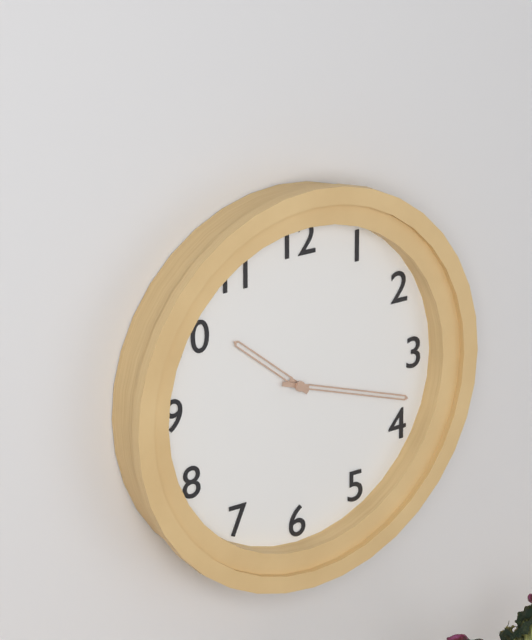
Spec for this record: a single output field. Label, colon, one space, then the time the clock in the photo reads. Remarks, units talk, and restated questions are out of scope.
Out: 10:18
